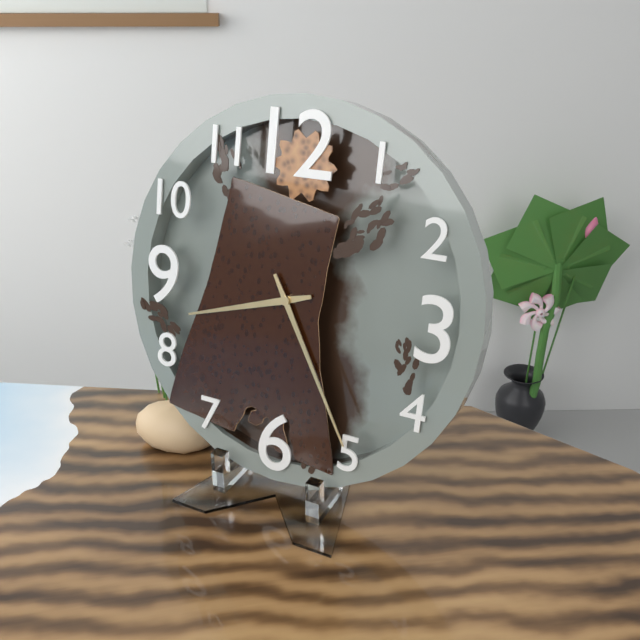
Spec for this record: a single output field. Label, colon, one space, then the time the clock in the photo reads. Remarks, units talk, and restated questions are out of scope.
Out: 8:25
